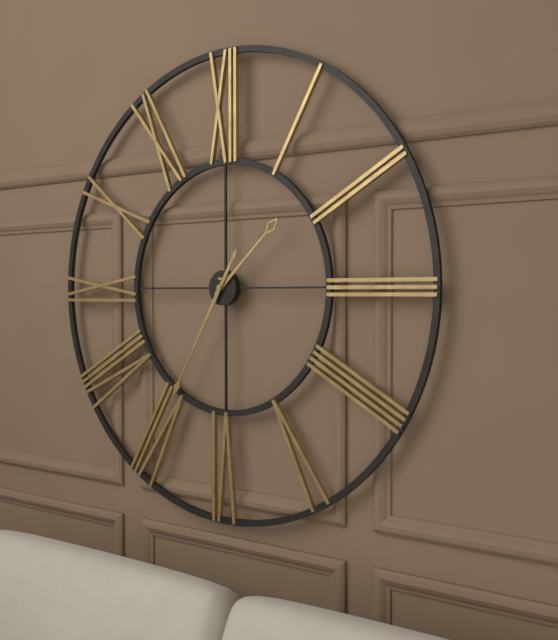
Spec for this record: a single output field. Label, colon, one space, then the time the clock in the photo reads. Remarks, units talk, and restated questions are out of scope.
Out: 1:35
